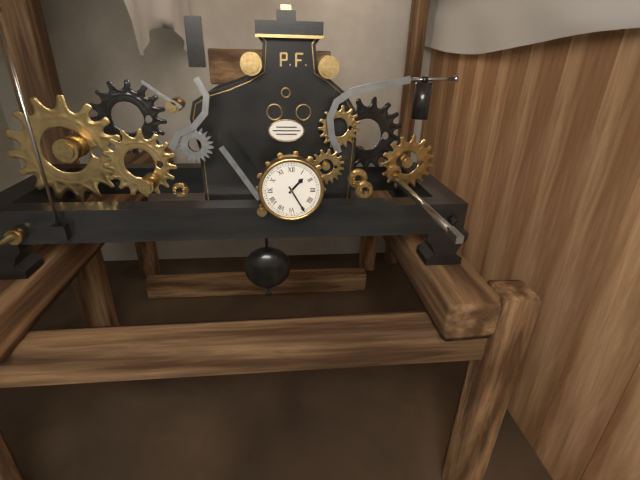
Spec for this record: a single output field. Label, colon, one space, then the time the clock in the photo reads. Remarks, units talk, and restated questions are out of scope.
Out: 1:25
